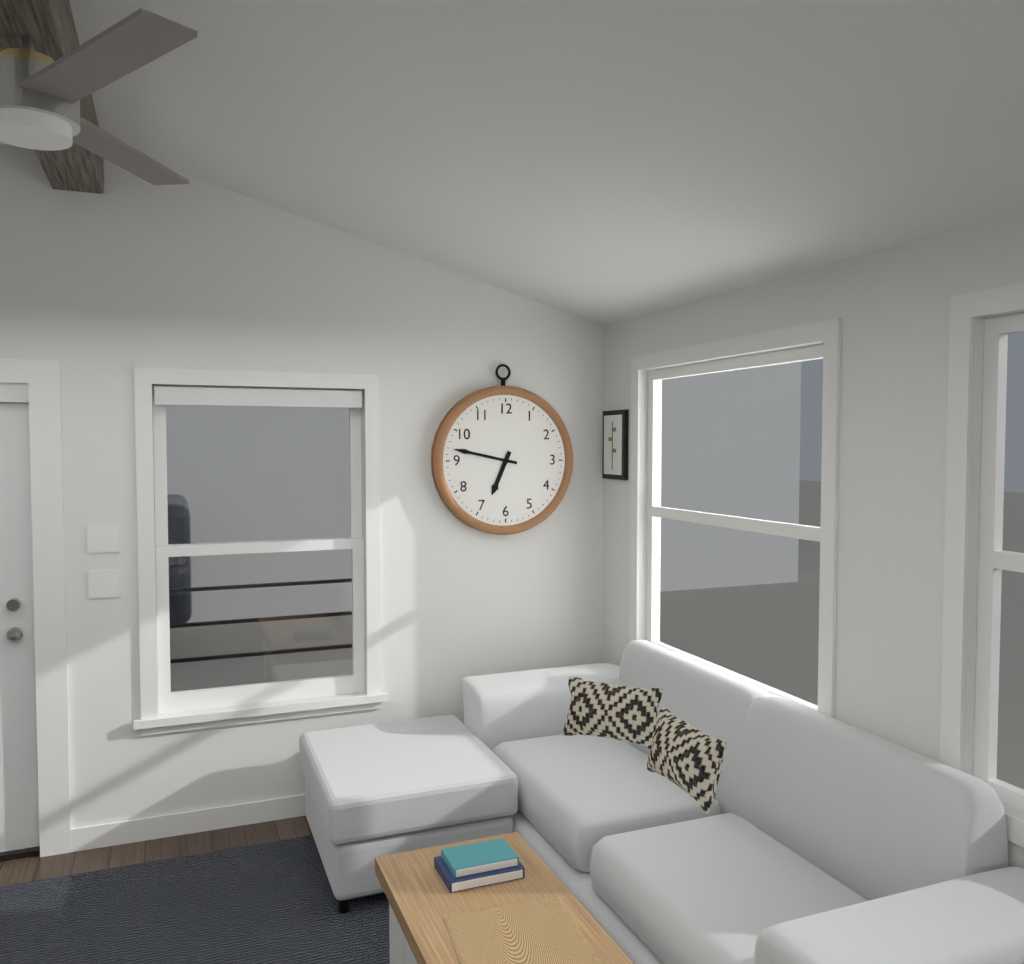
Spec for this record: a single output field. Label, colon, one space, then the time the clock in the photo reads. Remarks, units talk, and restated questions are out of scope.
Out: 6:47
